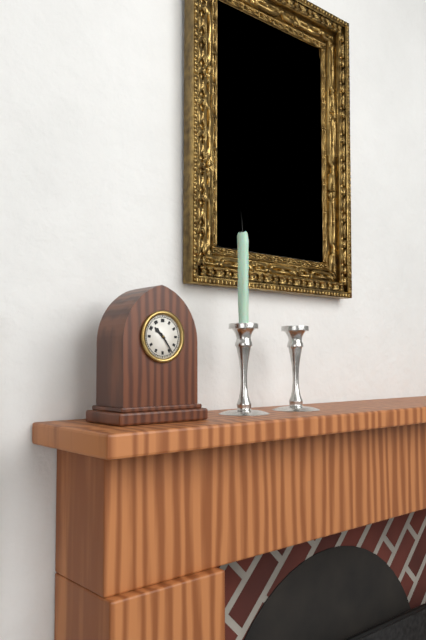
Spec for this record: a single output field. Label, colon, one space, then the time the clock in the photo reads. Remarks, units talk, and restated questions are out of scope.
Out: 10:24
